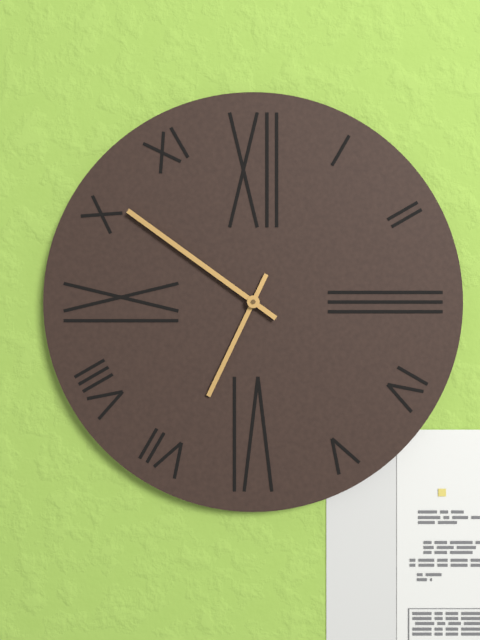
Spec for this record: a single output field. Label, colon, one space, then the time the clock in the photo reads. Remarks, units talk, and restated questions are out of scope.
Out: 6:51
